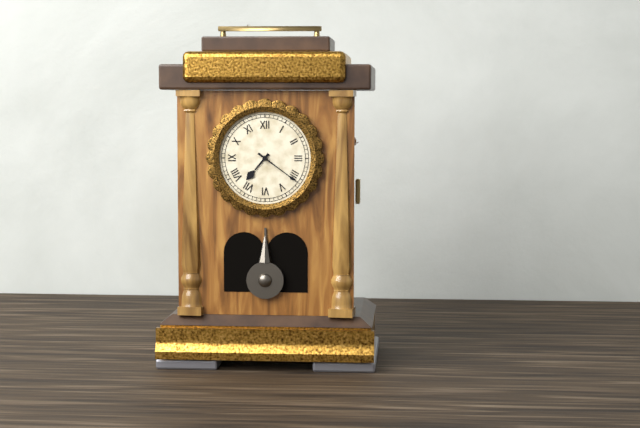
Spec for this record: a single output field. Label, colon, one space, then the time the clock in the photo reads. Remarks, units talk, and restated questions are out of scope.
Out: 7:21
